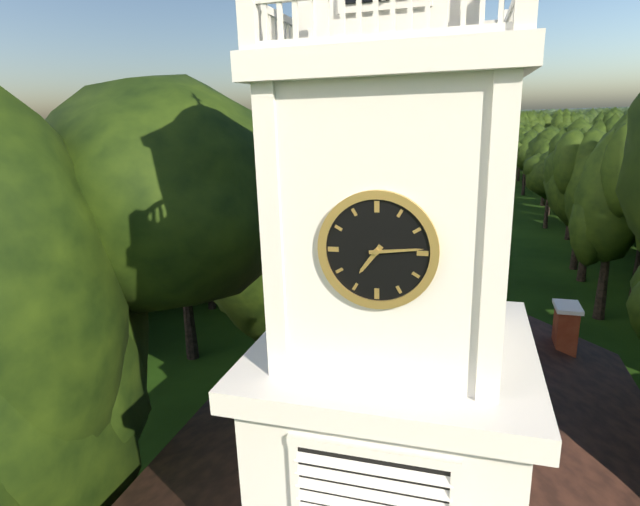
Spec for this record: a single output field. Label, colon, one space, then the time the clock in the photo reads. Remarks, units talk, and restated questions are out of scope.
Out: 7:14
